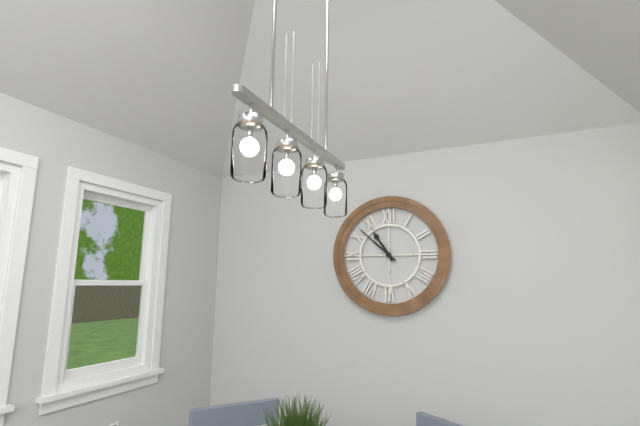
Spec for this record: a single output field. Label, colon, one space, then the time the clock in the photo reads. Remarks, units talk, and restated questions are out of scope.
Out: 10:52
